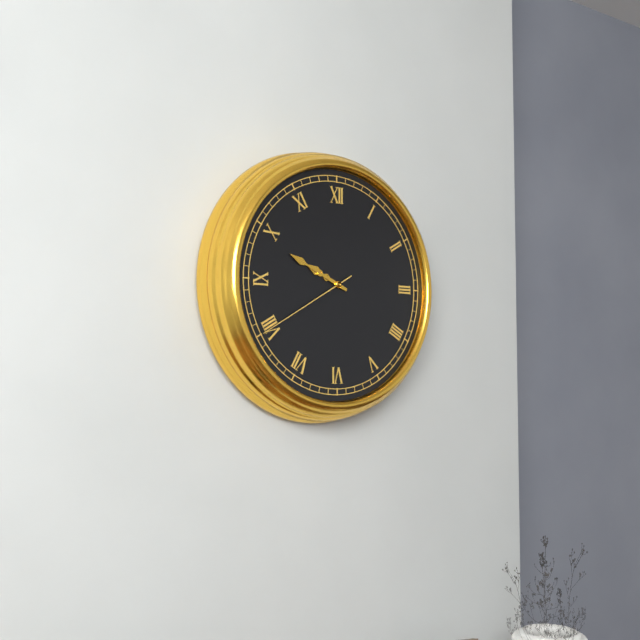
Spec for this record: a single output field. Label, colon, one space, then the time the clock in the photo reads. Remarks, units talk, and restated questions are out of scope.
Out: 9:49:40
